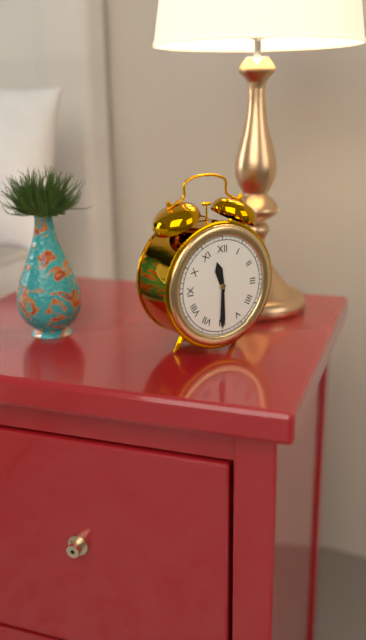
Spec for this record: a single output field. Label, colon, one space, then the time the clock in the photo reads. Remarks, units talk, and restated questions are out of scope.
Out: 11:30
